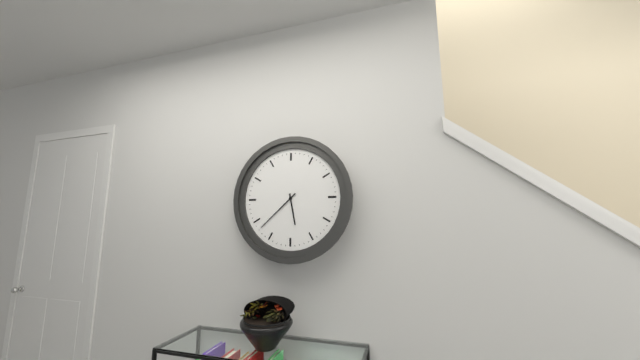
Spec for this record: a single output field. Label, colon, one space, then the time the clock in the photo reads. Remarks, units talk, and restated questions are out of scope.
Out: 5:38
